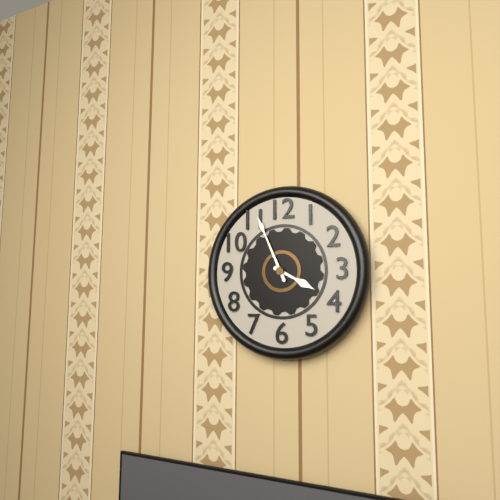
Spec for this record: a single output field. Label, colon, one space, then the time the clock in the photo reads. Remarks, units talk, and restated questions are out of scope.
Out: 3:56
